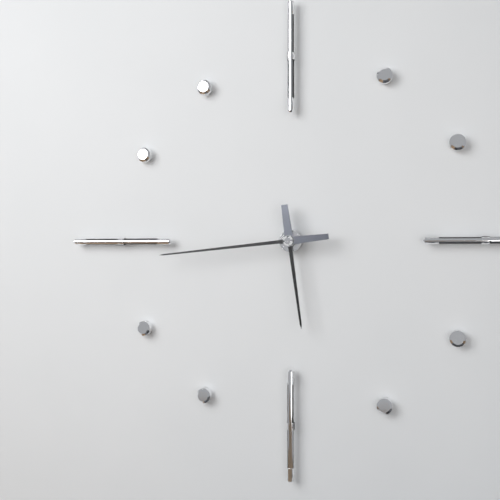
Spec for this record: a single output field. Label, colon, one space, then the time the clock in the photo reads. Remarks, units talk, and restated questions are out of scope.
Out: 5:44
